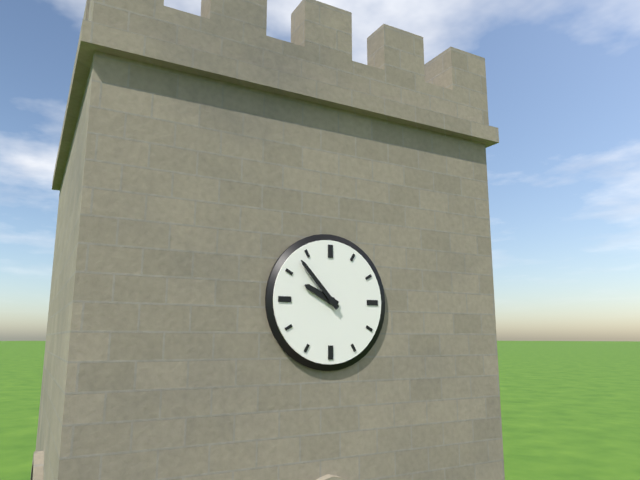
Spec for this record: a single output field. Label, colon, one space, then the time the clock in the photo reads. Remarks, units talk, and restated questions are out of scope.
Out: 9:53
